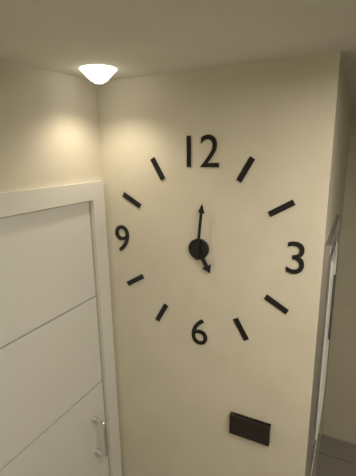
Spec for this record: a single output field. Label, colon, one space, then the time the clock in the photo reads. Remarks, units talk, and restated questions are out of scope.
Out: 5:01
